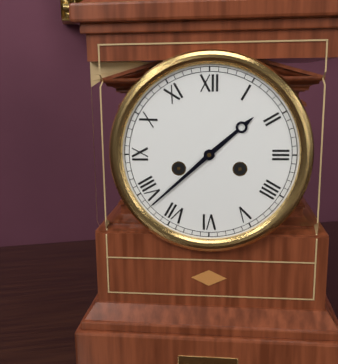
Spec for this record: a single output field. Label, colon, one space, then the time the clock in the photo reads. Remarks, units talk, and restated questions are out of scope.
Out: 1:38
